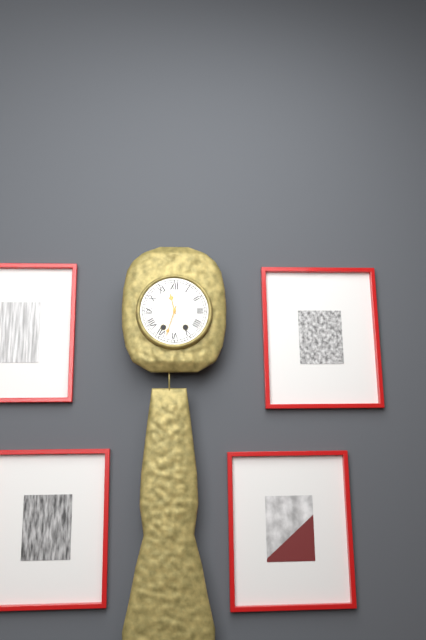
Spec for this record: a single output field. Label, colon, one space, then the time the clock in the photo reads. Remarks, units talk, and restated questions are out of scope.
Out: 11:33
